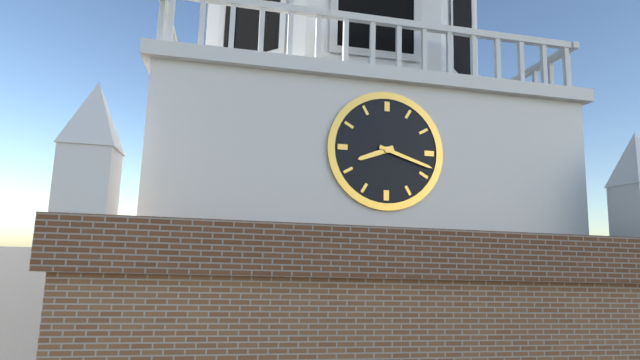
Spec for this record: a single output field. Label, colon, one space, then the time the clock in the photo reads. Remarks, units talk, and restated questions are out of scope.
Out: 8:18
